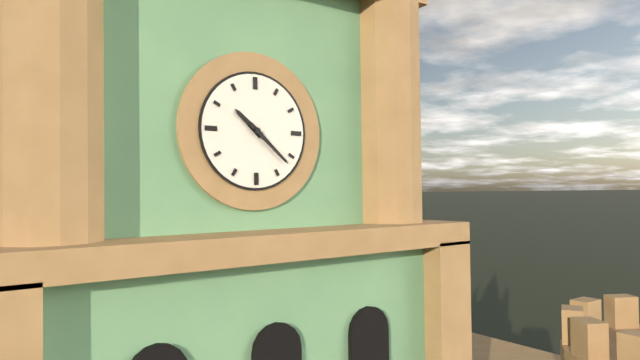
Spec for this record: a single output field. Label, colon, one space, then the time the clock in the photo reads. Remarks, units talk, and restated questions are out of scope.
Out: 10:22
